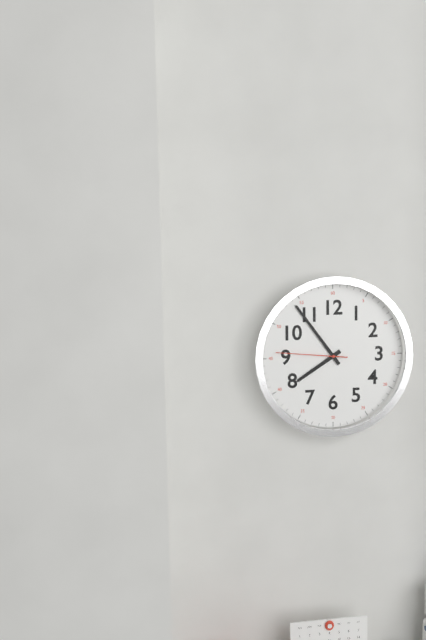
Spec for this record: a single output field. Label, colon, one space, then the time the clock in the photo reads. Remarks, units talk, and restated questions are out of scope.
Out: 7:54:46
